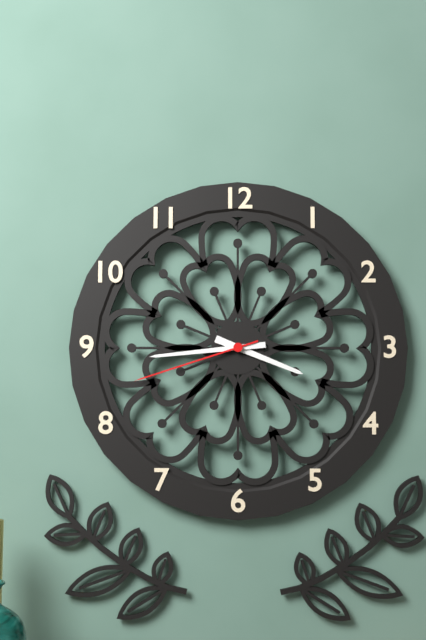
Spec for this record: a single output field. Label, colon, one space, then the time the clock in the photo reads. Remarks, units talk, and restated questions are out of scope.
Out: 3:44:42
